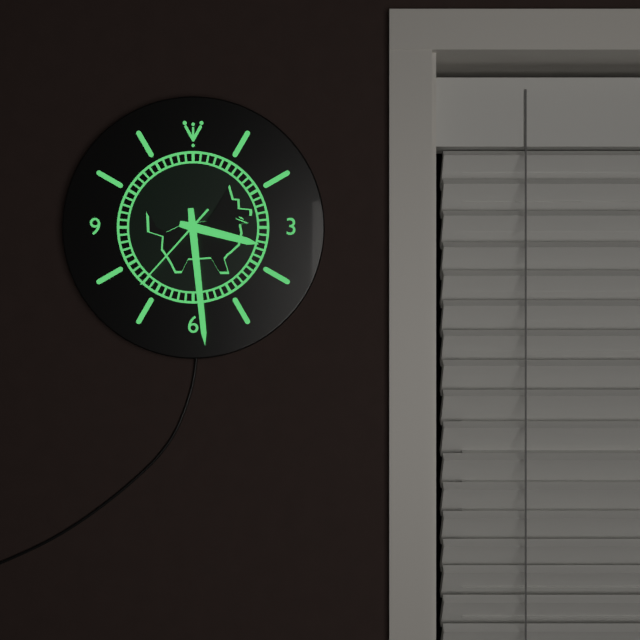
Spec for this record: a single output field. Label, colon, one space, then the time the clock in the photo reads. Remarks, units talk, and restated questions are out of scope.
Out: 3:29:37
